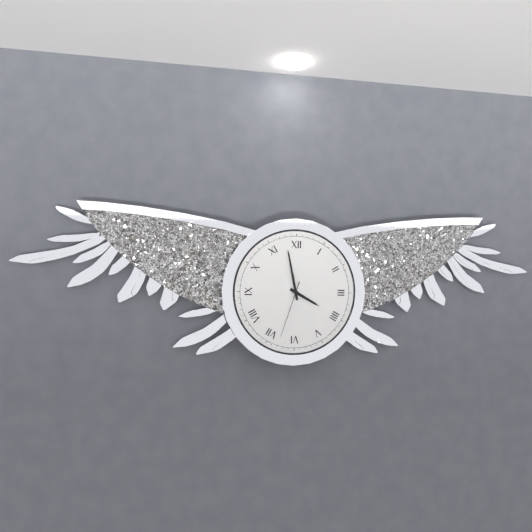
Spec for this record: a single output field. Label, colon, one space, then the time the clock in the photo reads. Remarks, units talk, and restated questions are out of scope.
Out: 3:58:33
